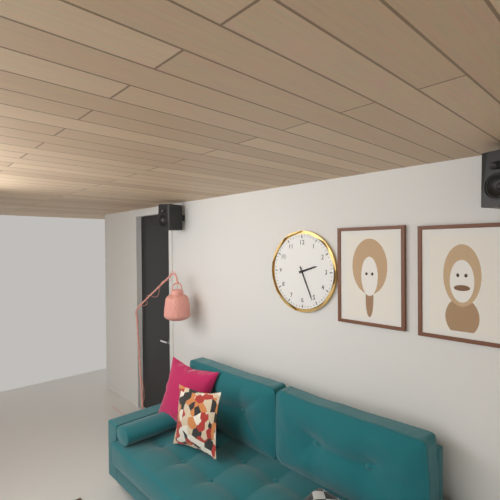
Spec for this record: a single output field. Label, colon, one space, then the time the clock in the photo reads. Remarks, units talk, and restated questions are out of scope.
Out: 2:26
